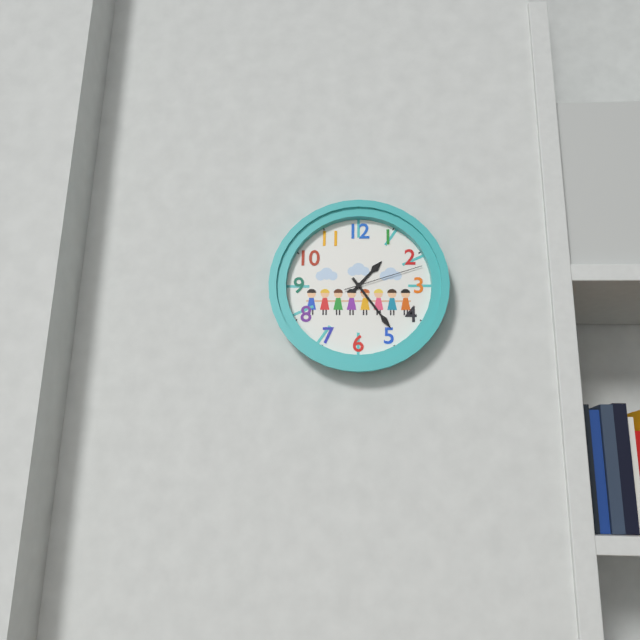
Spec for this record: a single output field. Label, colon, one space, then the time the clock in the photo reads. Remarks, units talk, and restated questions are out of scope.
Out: 1:24:12
